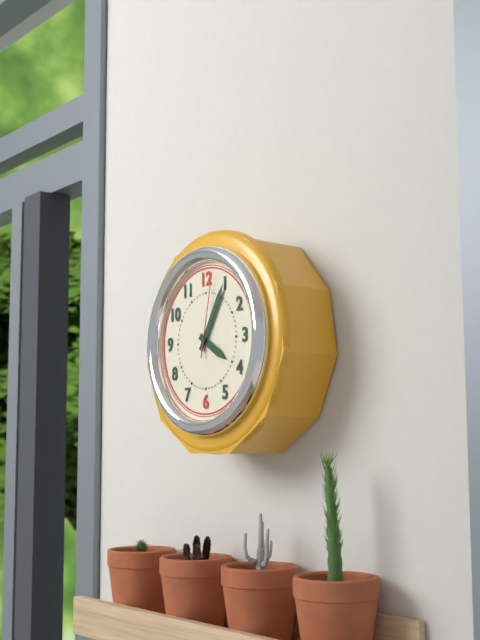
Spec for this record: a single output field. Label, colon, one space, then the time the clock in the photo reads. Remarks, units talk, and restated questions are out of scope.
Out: 4:05:02
